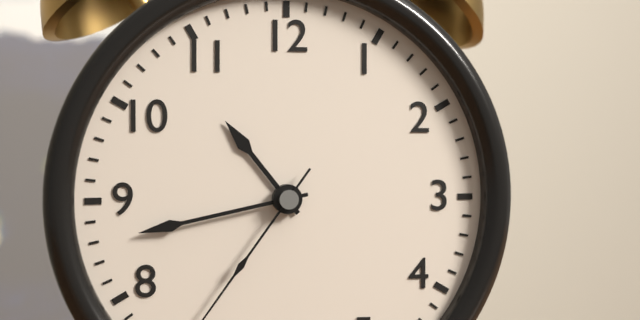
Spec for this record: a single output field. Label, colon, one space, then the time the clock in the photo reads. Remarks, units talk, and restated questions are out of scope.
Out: 10:43
